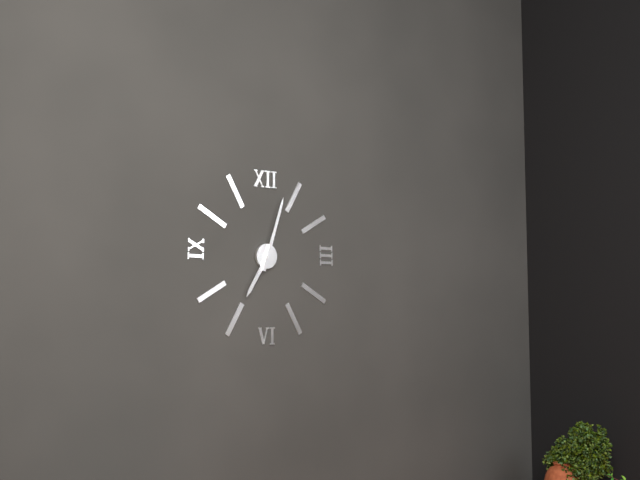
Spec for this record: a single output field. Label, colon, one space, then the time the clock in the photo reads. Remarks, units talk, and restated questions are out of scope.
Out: 7:03
